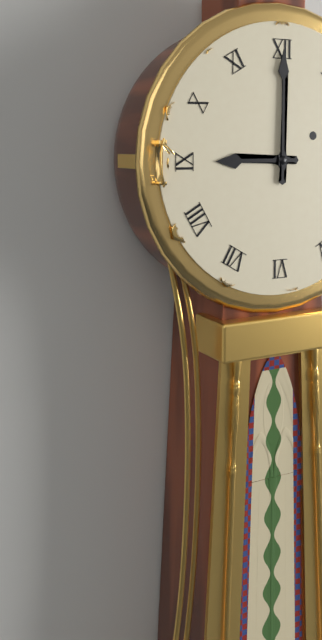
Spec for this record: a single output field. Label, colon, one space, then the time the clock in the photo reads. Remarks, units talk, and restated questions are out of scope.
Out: 9:00
